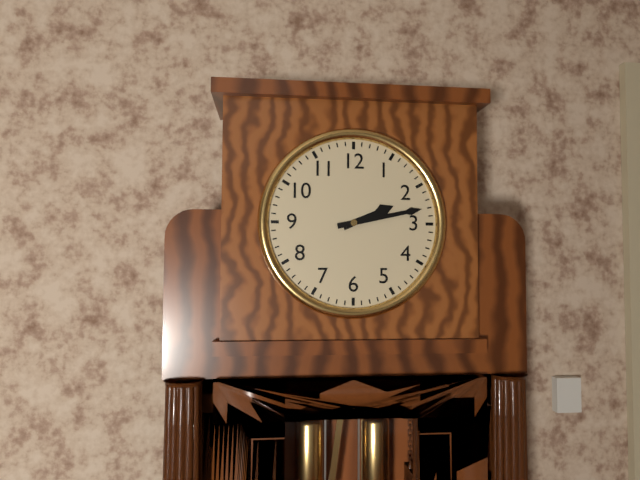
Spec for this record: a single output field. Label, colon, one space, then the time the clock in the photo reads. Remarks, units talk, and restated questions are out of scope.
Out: 2:13
